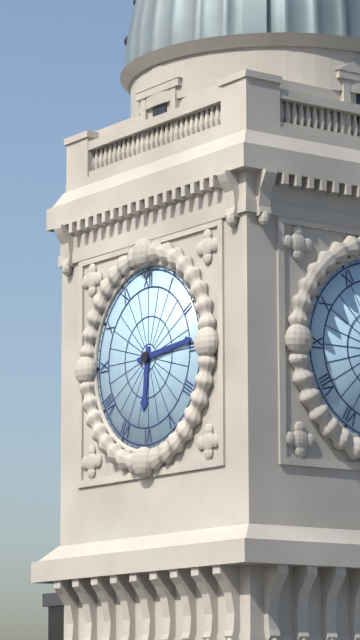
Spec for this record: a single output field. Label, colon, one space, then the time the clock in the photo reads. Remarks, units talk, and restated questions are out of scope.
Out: 6:14
